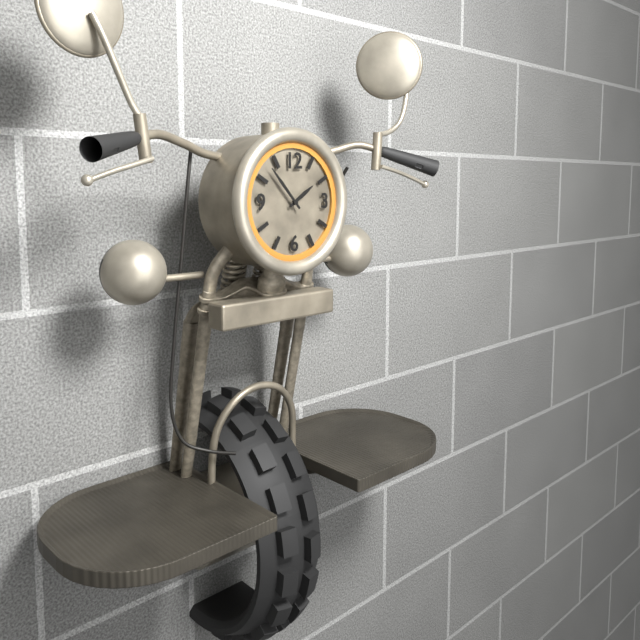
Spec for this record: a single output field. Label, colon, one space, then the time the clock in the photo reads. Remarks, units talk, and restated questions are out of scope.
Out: 1:53
